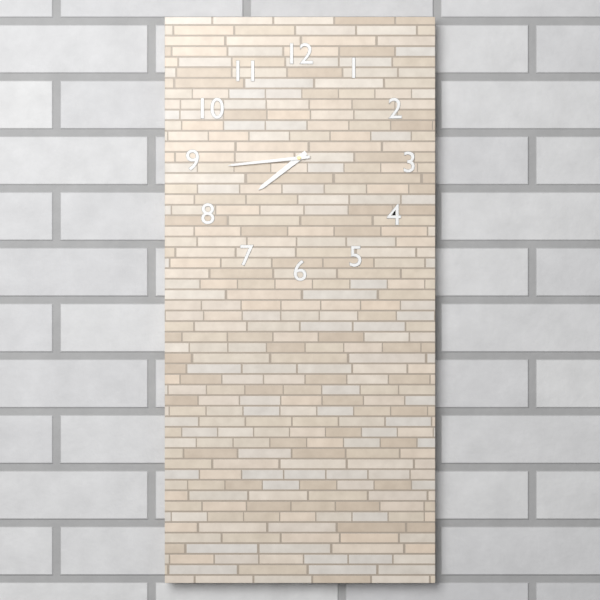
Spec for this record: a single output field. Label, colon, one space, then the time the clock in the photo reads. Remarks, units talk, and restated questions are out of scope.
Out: 7:44
